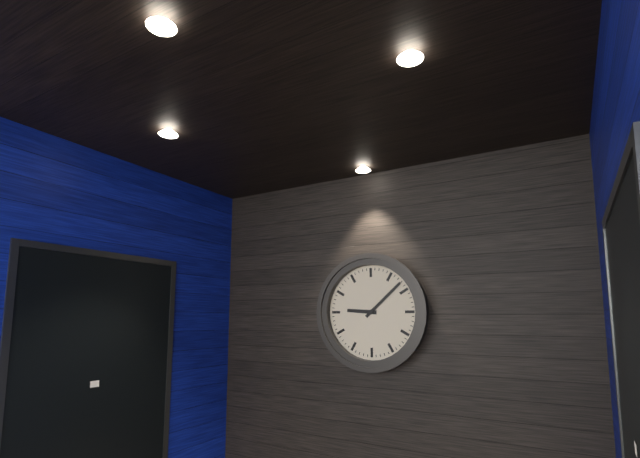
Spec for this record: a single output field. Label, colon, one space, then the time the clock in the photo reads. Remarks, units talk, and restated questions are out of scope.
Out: 9:08
